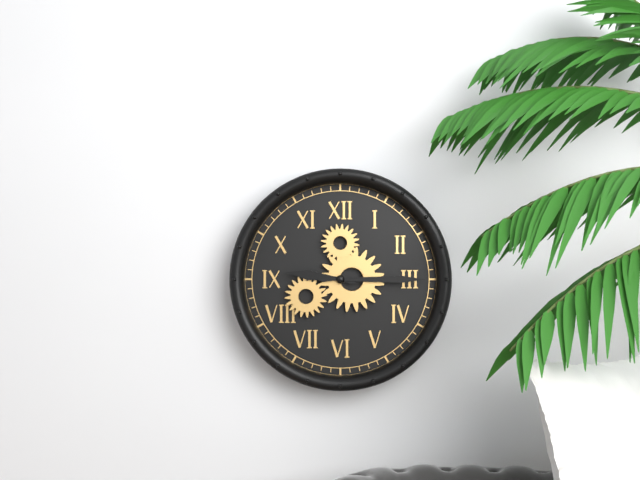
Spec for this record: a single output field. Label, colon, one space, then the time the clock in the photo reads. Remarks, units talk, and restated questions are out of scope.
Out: 9:15
